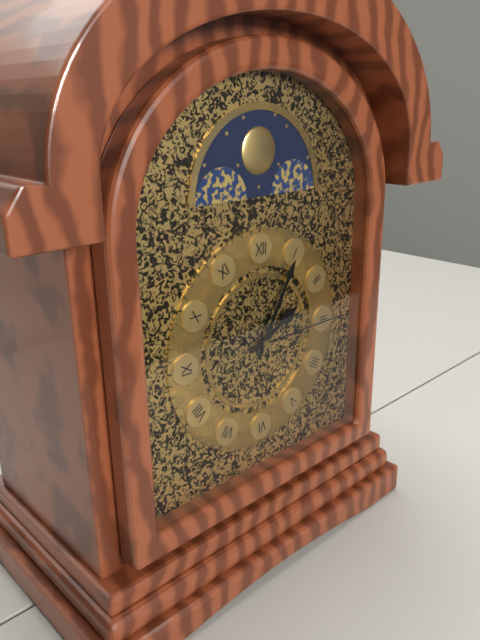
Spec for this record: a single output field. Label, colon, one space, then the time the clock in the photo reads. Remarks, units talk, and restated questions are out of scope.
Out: 2:05:15
